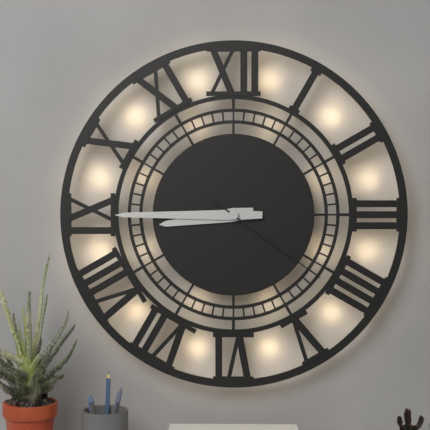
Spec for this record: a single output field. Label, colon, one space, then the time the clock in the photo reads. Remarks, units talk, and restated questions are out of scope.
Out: 8:45:21
